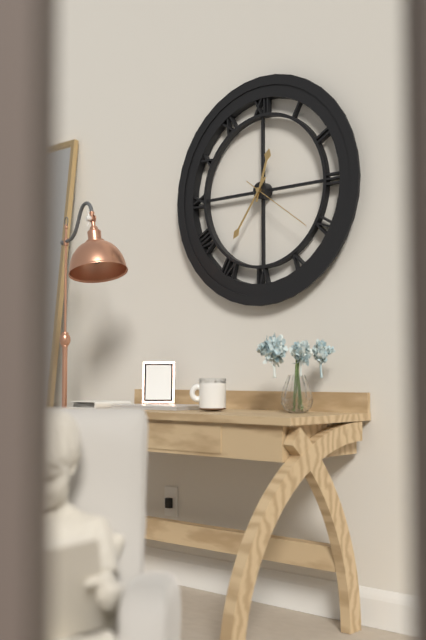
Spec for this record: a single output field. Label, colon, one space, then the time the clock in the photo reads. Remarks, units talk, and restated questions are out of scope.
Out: 12:36:21
